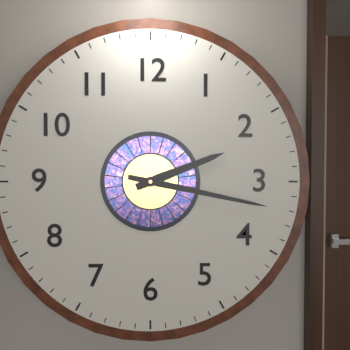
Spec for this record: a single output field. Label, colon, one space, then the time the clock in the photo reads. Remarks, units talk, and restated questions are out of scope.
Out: 2:17
